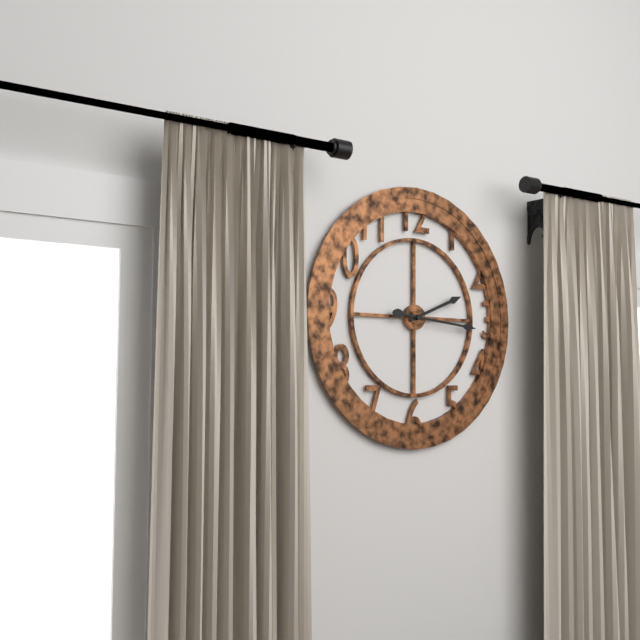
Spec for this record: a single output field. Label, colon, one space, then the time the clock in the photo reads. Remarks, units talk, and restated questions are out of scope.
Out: 2:16
